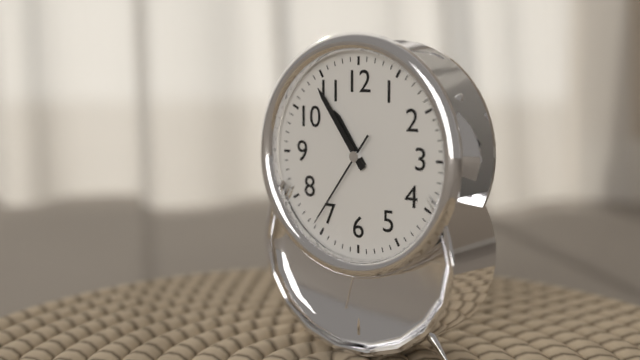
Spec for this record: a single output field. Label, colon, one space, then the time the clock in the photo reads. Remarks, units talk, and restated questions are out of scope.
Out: 10:54:36
